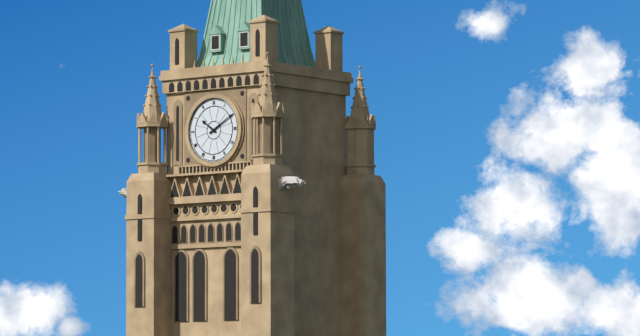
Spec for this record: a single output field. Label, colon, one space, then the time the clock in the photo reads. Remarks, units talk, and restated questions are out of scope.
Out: 10:10
